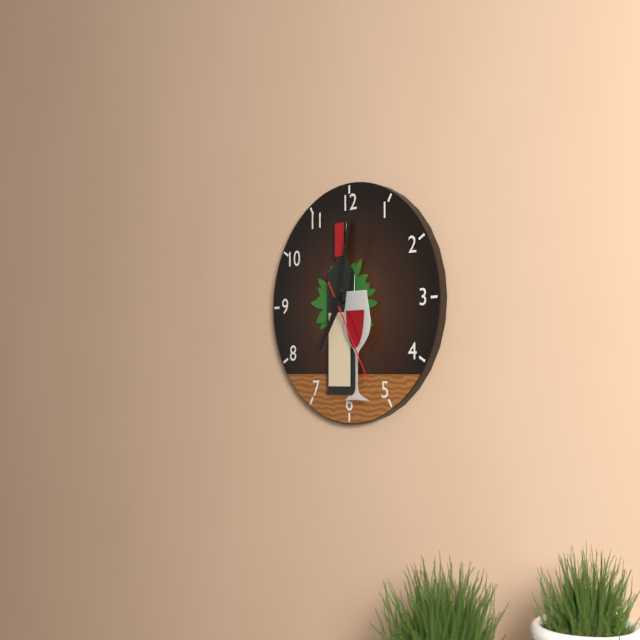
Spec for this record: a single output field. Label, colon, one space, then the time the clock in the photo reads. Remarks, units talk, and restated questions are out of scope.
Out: 7:02:25
